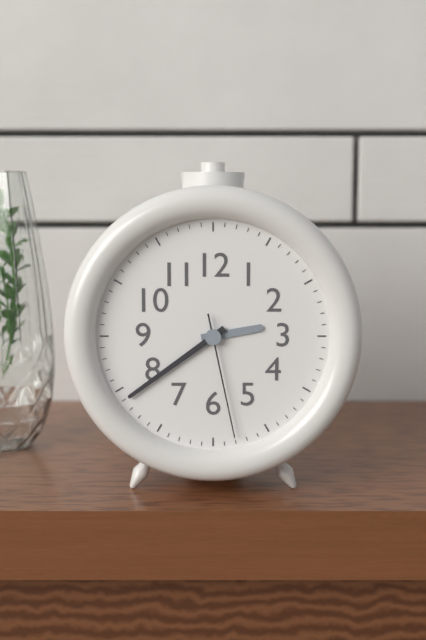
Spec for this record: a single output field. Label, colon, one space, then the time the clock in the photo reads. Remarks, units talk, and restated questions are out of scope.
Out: 2:39:28
